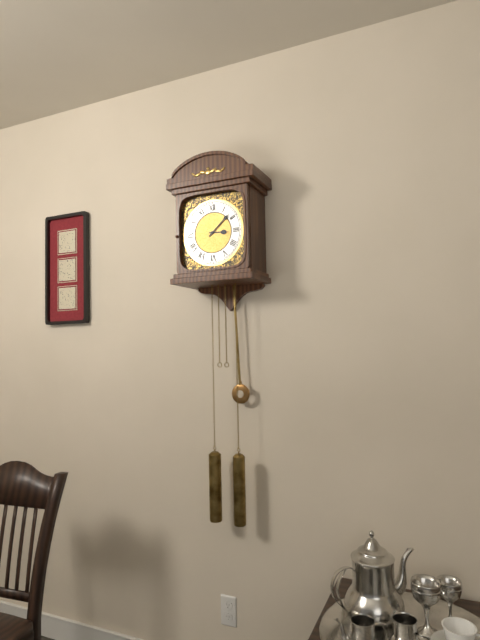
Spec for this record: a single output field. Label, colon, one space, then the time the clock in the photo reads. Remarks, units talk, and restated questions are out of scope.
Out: 3:08
